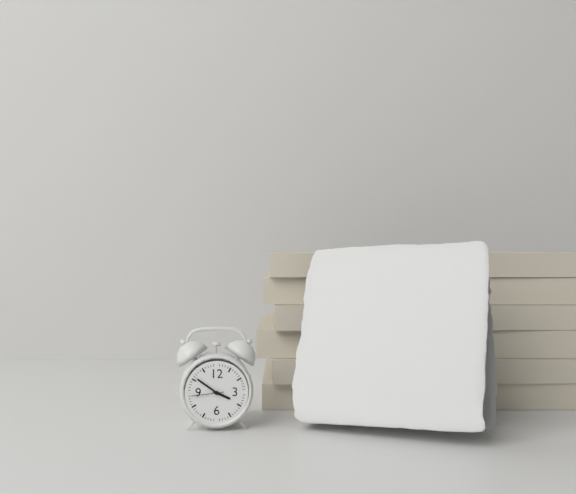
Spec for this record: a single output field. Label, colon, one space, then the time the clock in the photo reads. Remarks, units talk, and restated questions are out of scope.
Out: 3:51
